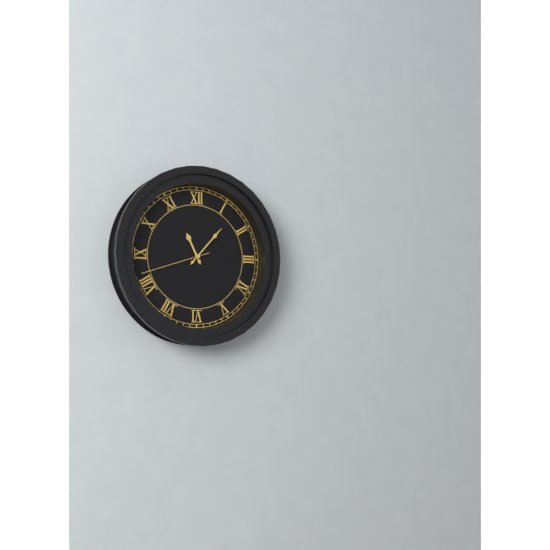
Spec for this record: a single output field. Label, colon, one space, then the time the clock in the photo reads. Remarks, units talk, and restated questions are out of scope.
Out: 11:07:42
